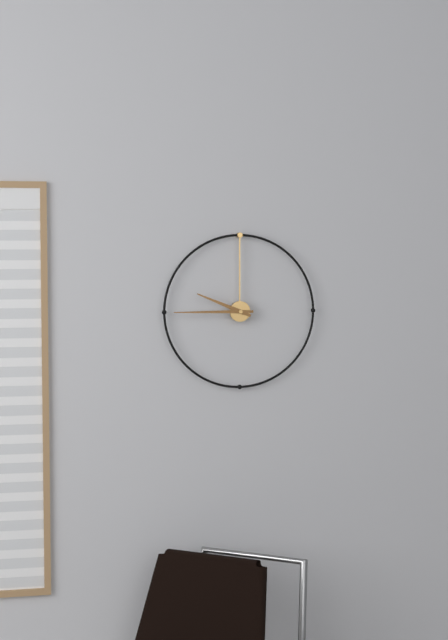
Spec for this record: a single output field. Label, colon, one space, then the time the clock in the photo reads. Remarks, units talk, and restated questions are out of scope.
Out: 9:45
